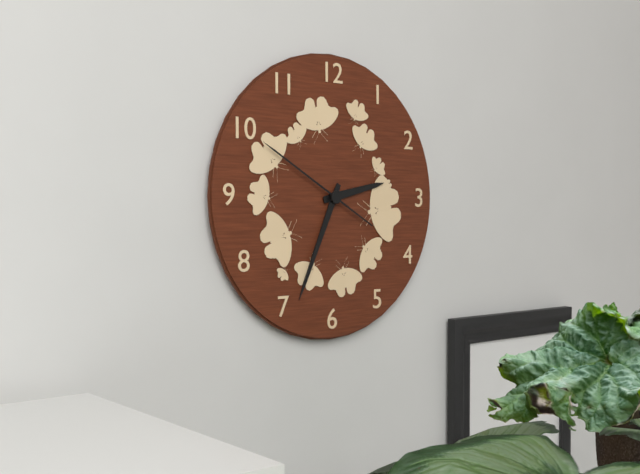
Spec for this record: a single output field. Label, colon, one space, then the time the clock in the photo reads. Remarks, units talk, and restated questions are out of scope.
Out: 2:34:50
